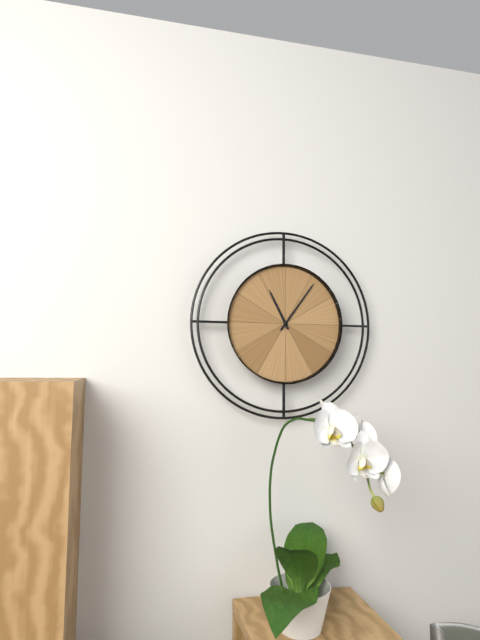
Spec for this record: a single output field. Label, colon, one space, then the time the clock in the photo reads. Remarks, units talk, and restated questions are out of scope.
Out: 11:06
